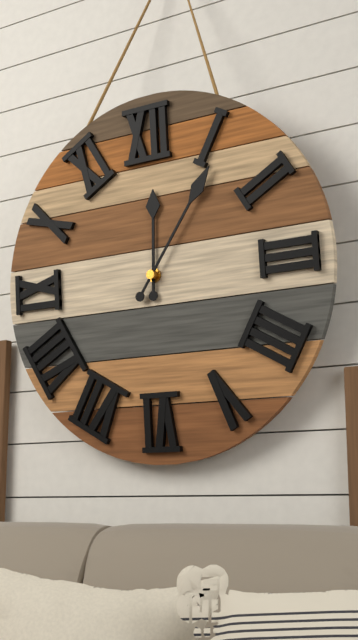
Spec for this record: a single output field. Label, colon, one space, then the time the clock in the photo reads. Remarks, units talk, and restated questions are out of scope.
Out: 12:06
